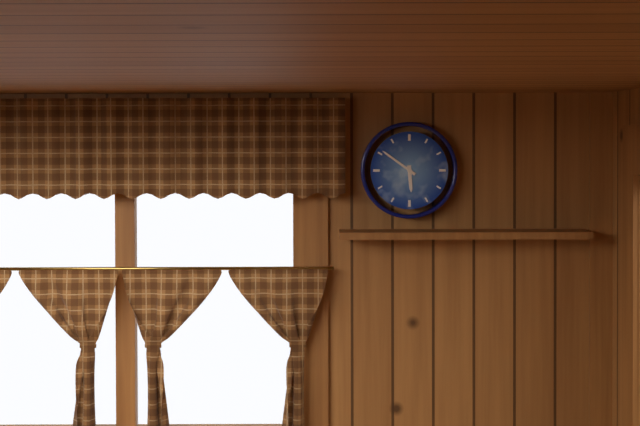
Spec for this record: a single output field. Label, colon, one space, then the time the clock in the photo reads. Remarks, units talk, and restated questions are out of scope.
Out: 5:51
